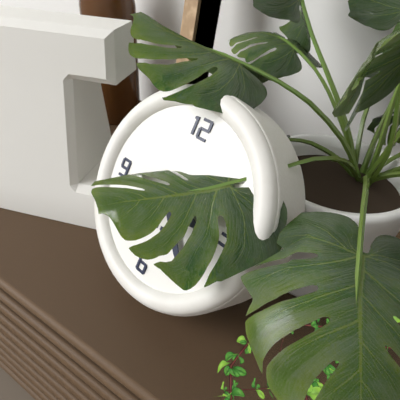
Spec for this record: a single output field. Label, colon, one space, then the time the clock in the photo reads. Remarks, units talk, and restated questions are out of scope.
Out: 3:23
